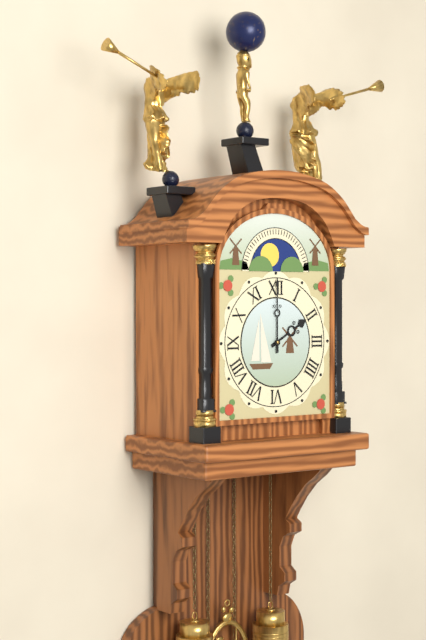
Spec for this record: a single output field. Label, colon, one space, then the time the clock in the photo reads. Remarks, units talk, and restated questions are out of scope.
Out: 2:00
